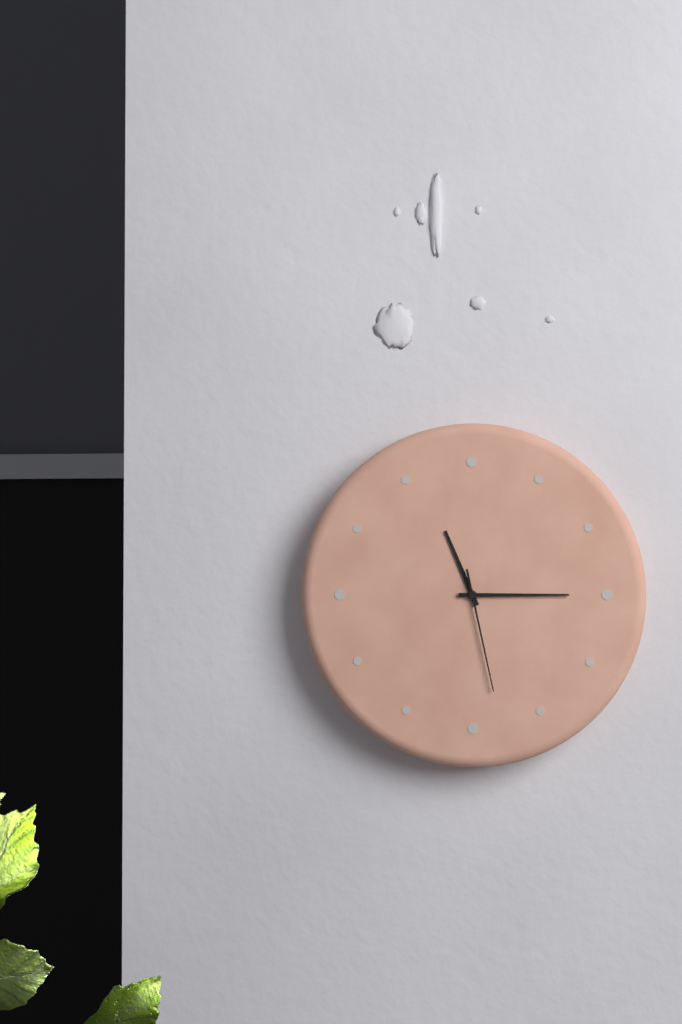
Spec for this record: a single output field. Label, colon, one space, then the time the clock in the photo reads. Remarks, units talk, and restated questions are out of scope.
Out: 11:15:28
